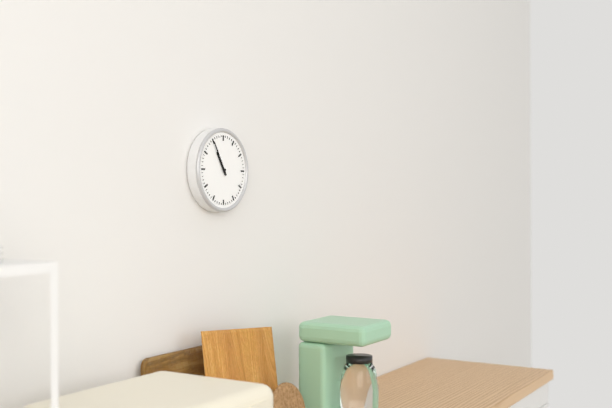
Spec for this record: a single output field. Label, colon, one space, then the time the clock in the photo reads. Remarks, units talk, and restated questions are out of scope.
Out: 10:55
